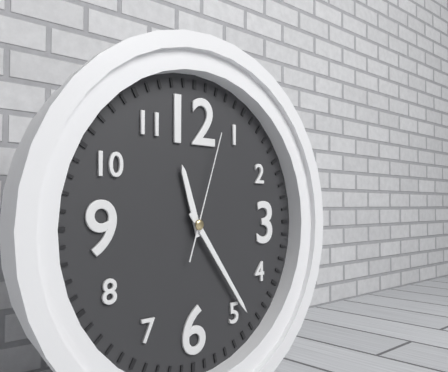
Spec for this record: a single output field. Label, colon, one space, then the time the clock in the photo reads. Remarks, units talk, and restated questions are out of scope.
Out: 11:24:03
